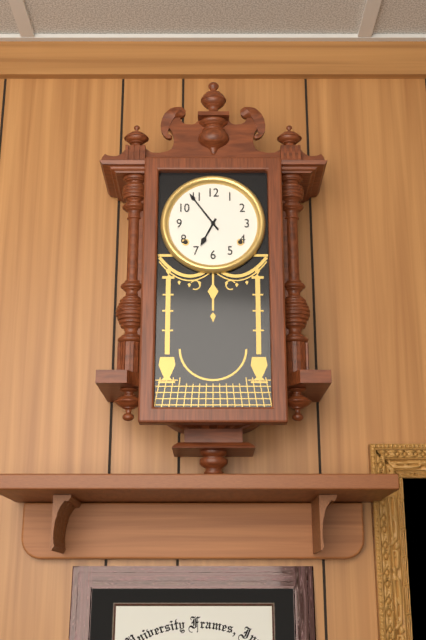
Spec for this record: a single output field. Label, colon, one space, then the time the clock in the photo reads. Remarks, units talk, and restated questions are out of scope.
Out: 6:54
